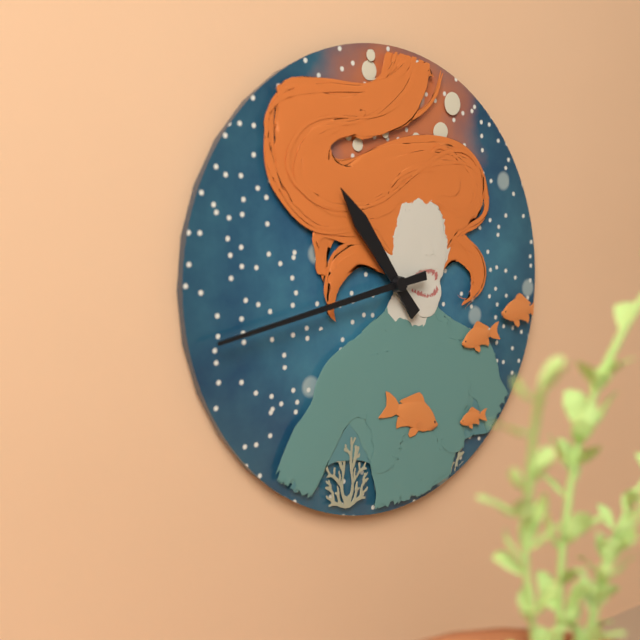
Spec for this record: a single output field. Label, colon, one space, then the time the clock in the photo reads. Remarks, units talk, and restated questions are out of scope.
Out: 10:43
